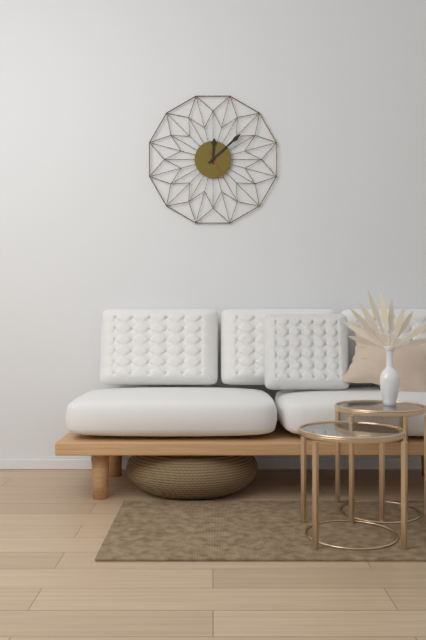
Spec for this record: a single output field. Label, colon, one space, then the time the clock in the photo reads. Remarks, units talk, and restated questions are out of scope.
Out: 12:08
